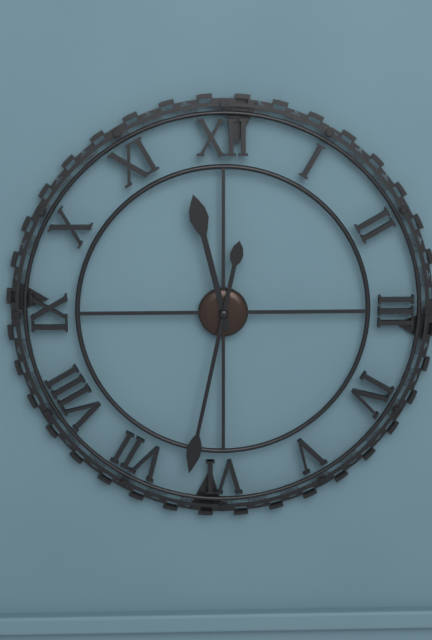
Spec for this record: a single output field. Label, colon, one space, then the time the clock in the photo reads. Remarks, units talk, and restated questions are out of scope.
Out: 11:32
